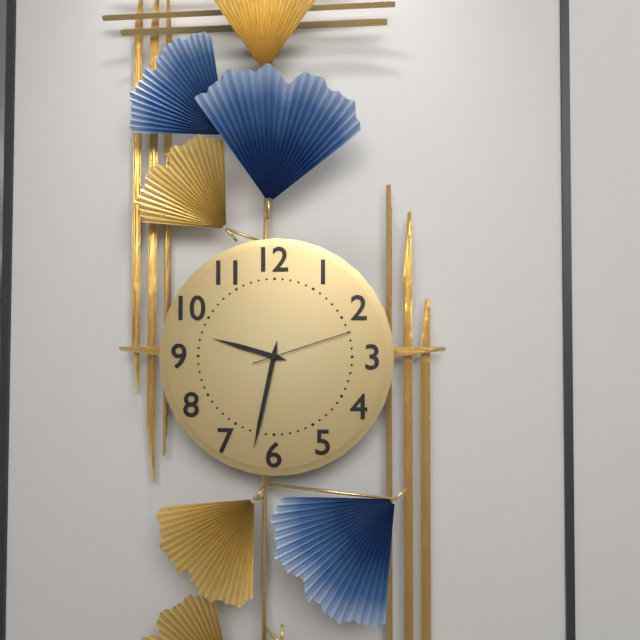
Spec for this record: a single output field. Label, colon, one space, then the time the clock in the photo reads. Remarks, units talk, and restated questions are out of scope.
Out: 9:32:12
